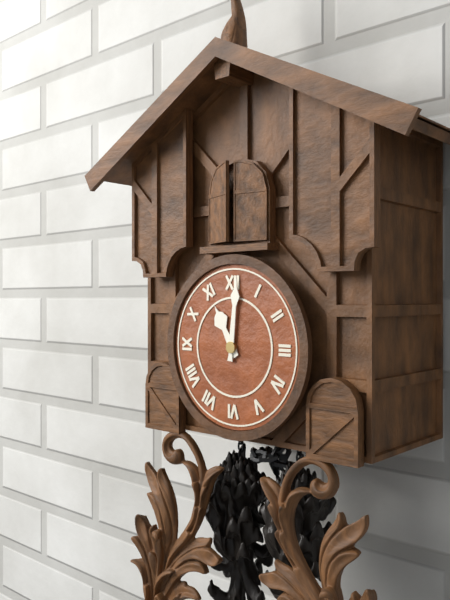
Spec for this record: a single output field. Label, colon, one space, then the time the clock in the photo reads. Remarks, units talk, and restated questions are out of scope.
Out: 11:01
